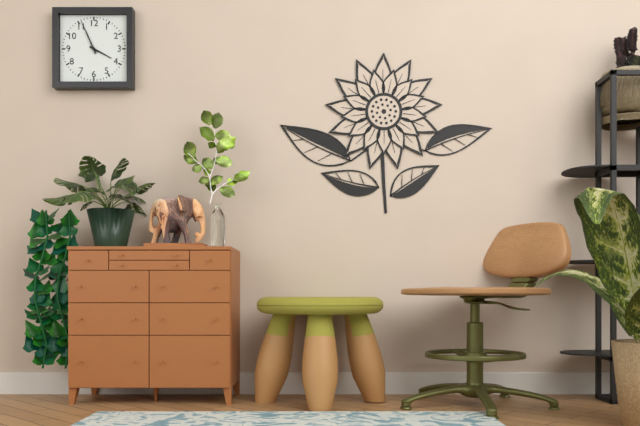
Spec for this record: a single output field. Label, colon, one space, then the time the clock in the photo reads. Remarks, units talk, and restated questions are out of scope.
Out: 3:56
